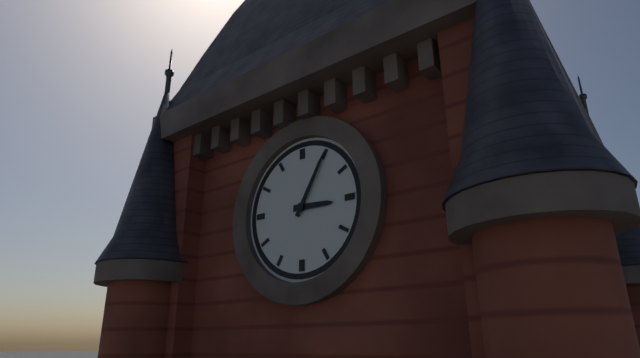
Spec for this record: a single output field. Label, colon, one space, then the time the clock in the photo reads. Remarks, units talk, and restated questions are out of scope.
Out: 3:05
